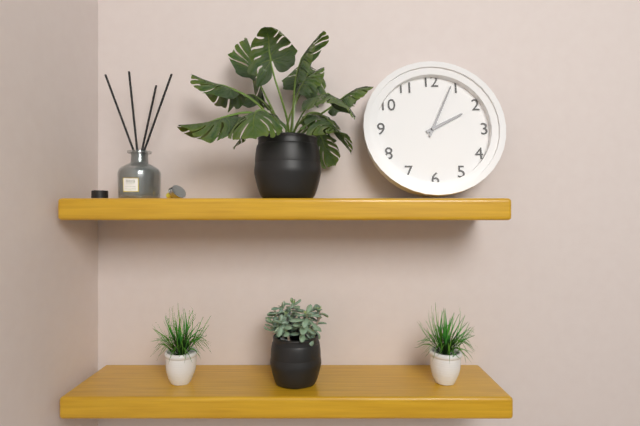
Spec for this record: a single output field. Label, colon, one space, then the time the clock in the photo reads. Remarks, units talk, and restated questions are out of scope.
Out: 2:04
